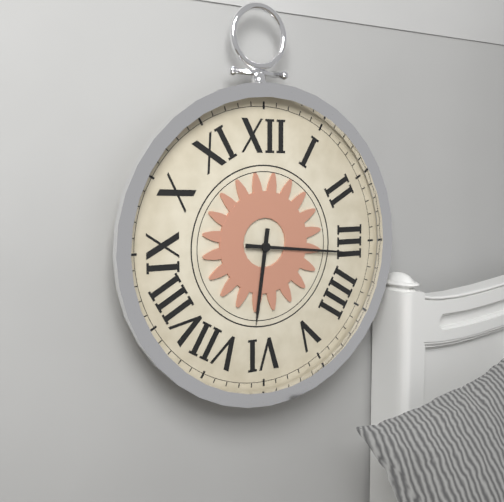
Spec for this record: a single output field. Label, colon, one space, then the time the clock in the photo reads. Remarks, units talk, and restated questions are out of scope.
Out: 6:16
